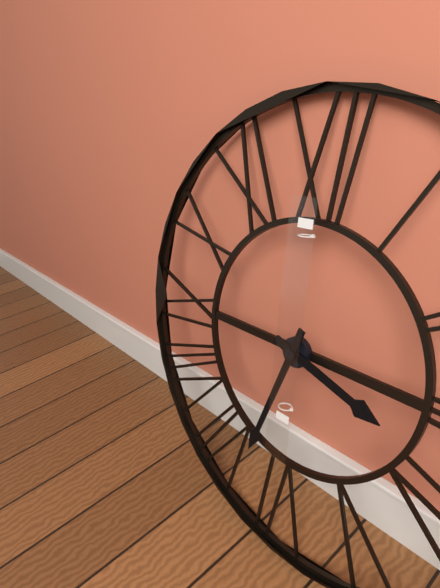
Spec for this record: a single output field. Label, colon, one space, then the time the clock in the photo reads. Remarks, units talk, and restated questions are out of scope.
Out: 3:33
